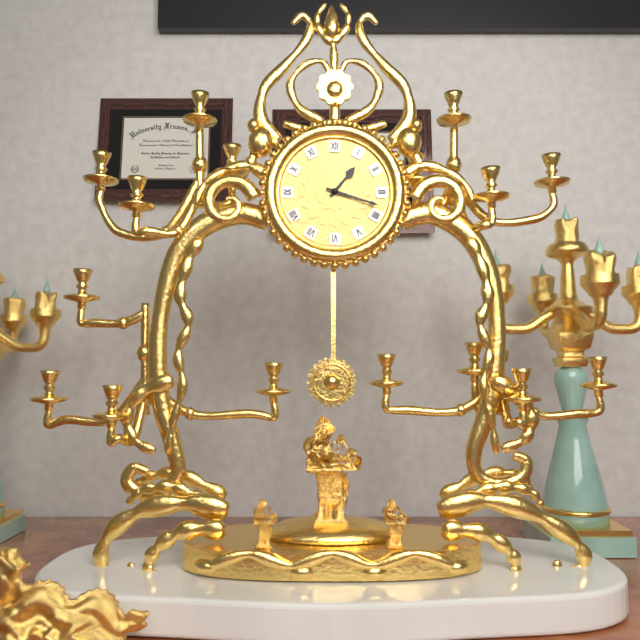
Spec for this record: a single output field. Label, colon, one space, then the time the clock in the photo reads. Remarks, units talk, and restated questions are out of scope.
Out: 1:18
